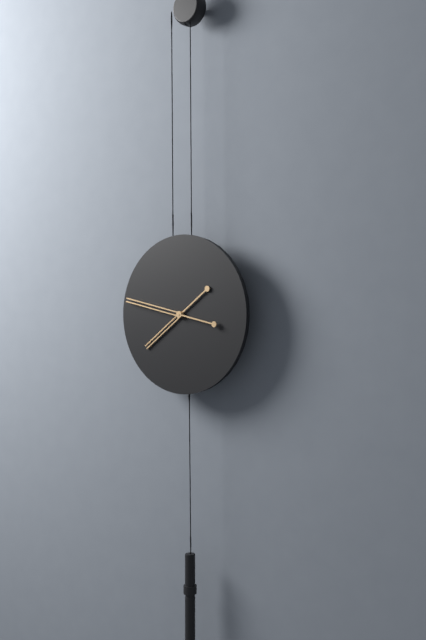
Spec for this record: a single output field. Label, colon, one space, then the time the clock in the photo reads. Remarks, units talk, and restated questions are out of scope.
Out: 7:47
